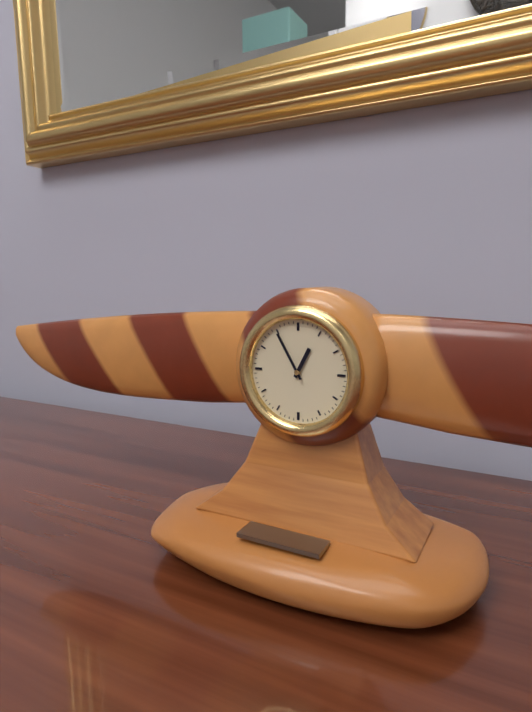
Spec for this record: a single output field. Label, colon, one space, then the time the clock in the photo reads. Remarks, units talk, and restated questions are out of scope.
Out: 12:55
